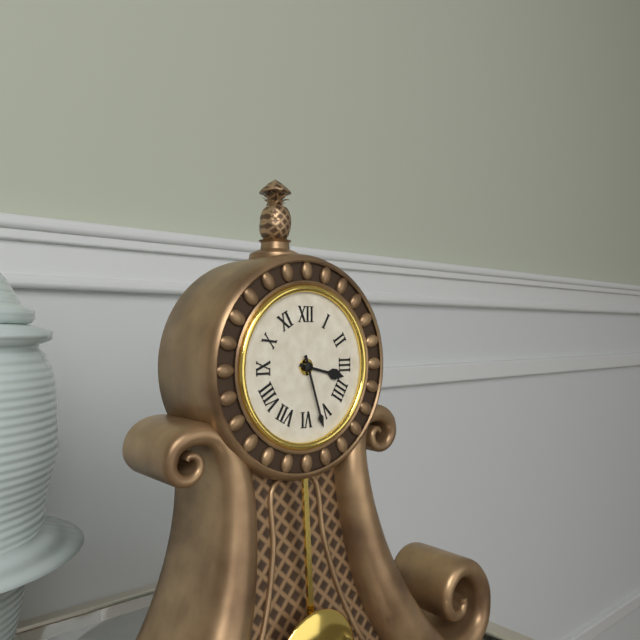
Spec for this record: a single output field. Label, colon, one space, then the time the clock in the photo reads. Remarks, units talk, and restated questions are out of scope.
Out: 3:27
